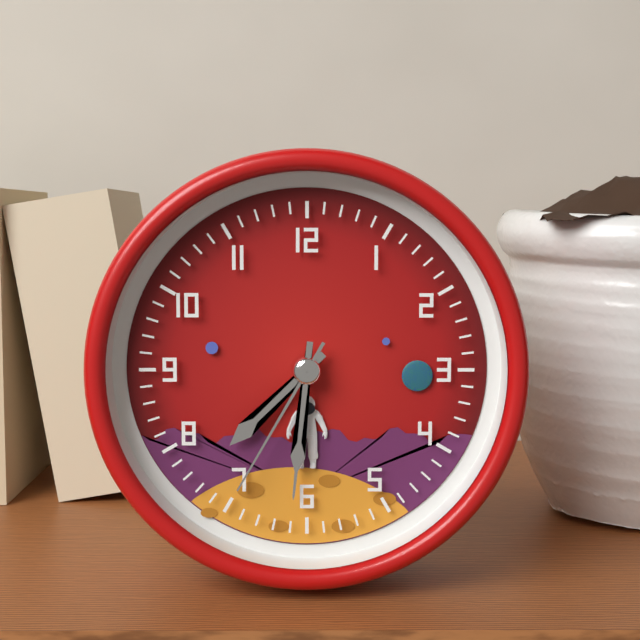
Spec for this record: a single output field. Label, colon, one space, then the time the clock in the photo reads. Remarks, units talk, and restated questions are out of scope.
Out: 7:31:35
